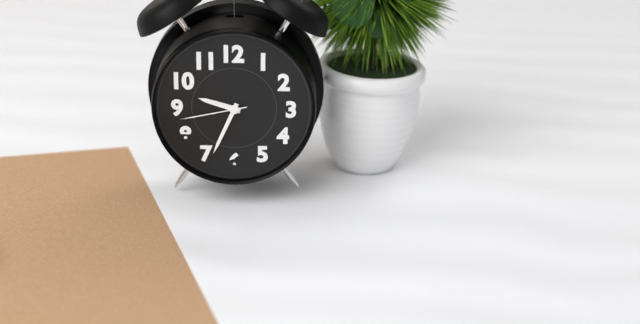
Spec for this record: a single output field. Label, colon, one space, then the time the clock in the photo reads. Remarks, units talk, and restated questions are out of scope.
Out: 9:34:43
